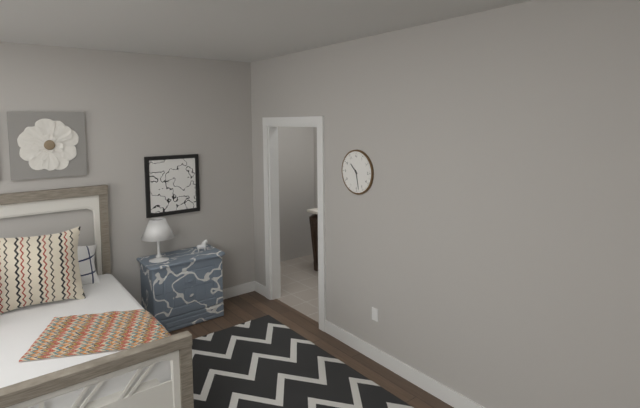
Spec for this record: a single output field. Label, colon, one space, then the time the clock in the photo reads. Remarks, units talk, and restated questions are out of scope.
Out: 10:28
